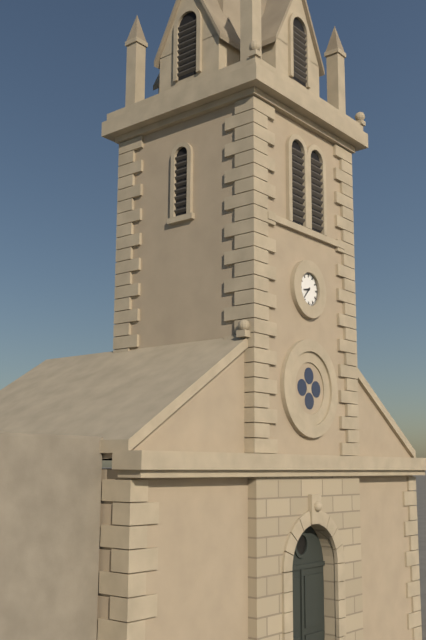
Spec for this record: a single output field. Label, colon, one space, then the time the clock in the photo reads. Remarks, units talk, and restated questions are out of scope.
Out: 8:37
